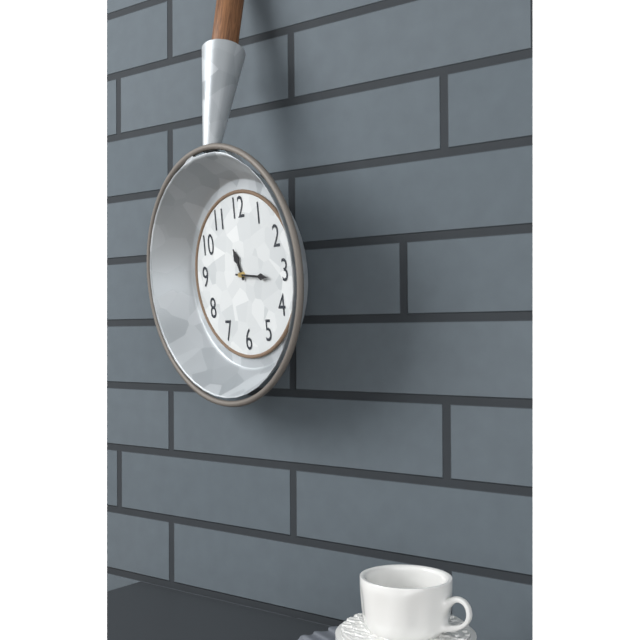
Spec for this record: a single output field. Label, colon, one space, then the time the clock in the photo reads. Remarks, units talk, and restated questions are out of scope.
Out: 11:16
